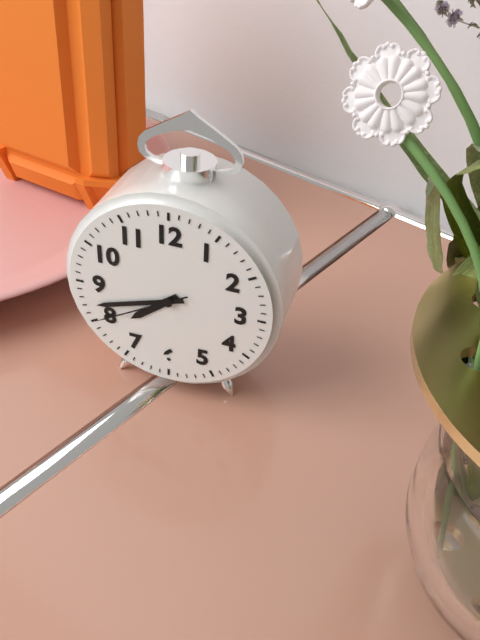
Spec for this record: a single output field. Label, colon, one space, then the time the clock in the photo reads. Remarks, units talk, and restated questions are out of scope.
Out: 7:42:40
